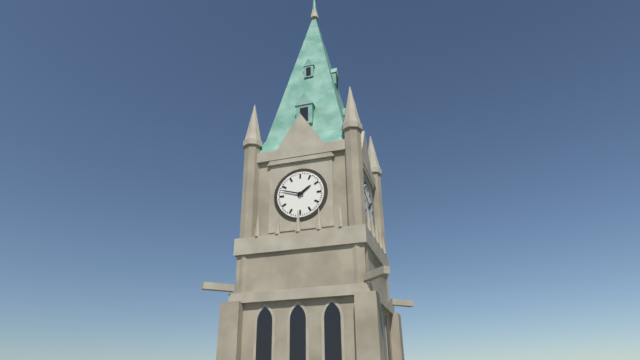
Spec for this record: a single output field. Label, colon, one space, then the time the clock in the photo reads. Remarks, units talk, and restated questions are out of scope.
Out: 1:48
